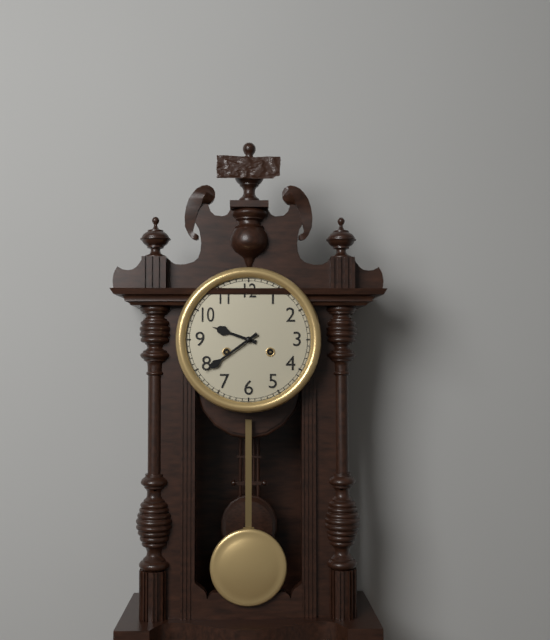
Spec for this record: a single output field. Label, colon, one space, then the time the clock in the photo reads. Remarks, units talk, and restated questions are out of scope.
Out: 9:39
